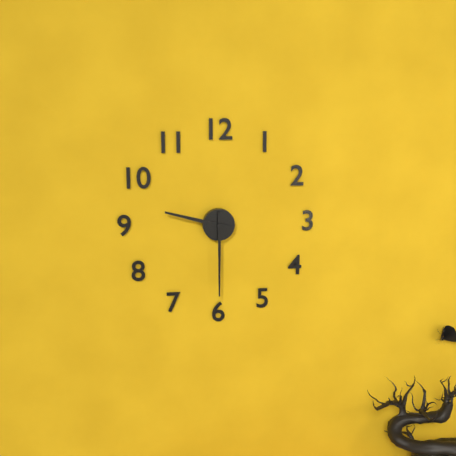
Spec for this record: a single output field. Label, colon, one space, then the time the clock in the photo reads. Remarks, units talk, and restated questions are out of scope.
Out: 9:30
